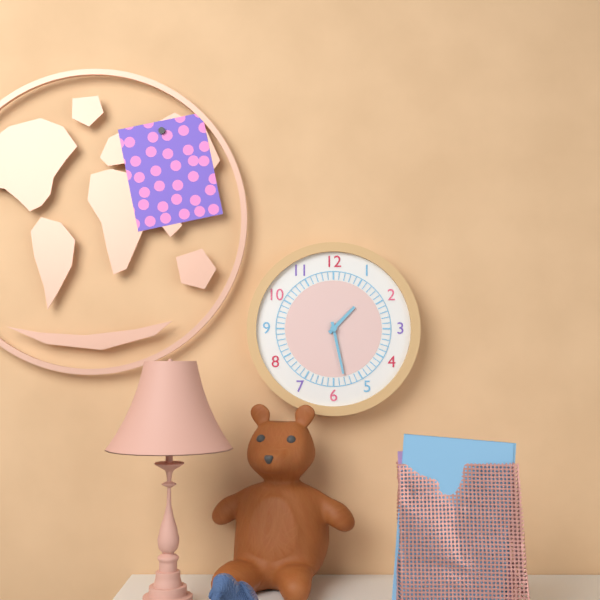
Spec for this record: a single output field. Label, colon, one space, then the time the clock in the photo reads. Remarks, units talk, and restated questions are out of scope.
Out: 1:28
